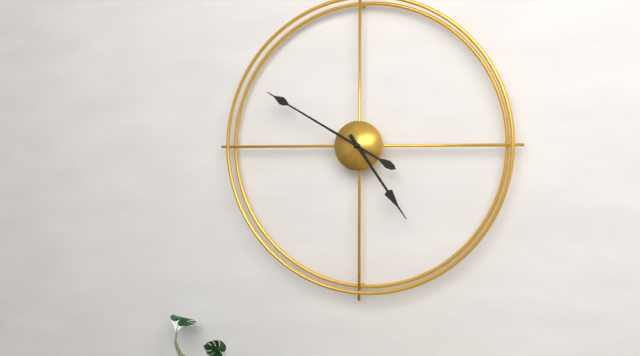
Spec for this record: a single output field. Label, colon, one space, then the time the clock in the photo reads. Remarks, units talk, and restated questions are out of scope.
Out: 4:50
